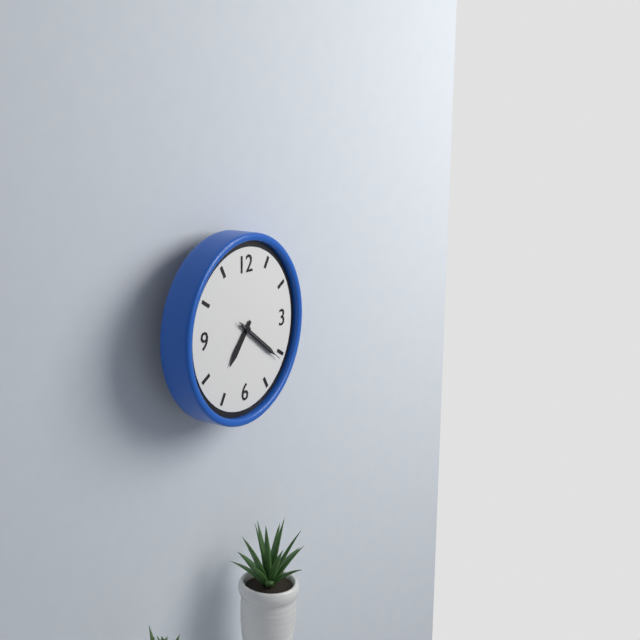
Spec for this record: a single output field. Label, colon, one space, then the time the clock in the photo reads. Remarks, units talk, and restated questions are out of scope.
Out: 7:21:21
